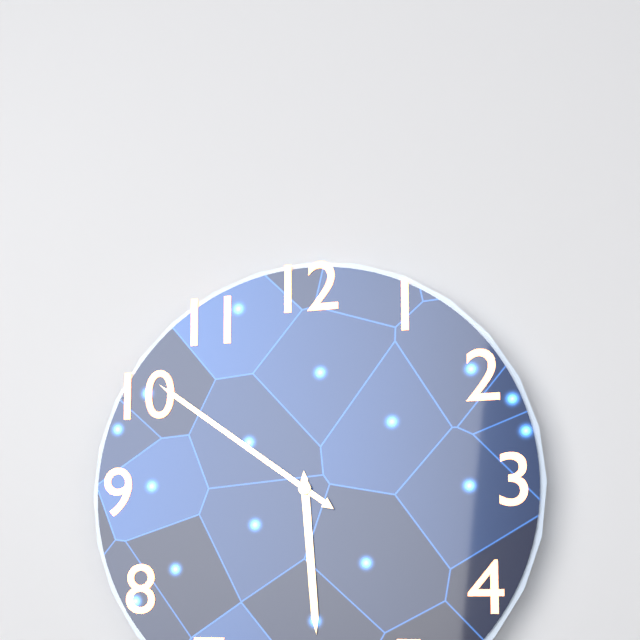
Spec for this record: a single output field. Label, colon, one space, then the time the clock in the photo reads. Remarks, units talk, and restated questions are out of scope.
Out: 5:51
